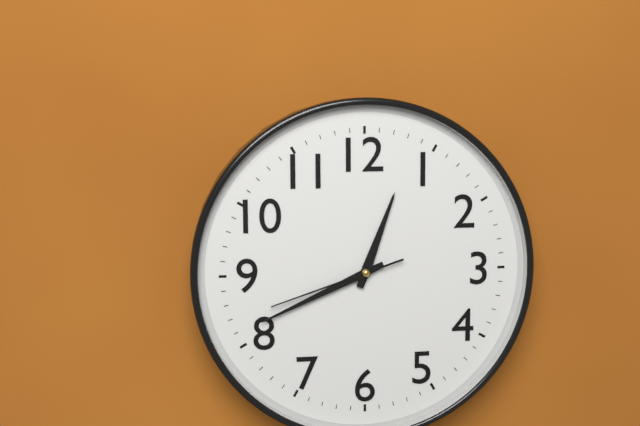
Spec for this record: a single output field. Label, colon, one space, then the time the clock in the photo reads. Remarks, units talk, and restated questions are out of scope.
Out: 12:41:42
